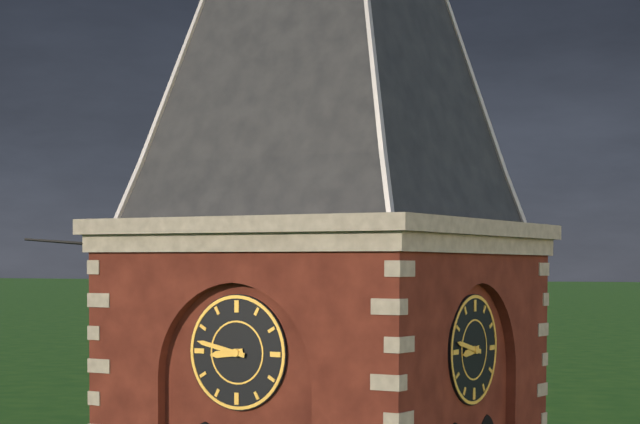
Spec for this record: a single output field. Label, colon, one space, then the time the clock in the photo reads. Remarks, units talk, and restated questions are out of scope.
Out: 8:47
